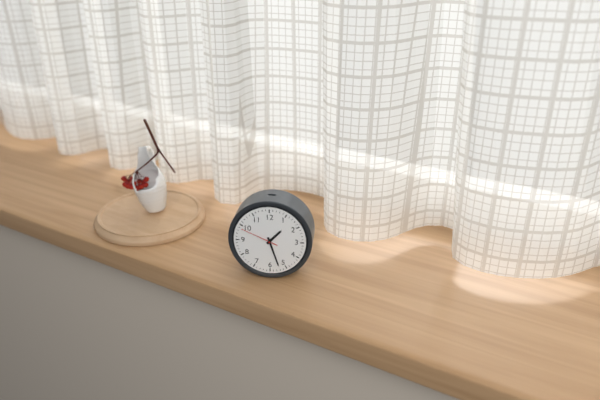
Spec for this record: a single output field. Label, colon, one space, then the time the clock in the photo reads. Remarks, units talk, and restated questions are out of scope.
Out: 1:27
